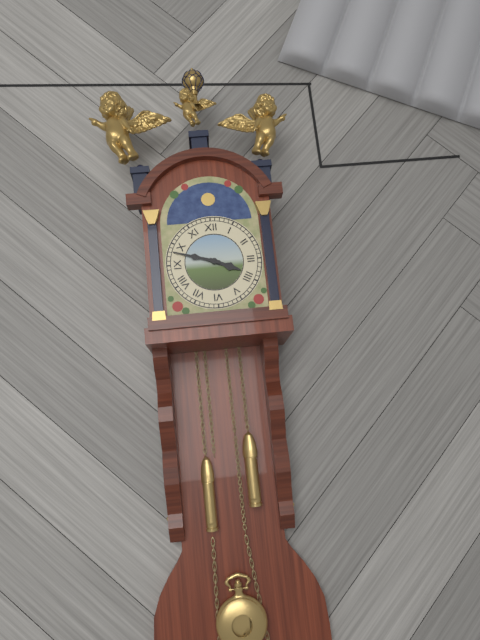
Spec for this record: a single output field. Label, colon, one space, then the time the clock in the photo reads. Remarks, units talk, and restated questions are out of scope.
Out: 3:48
